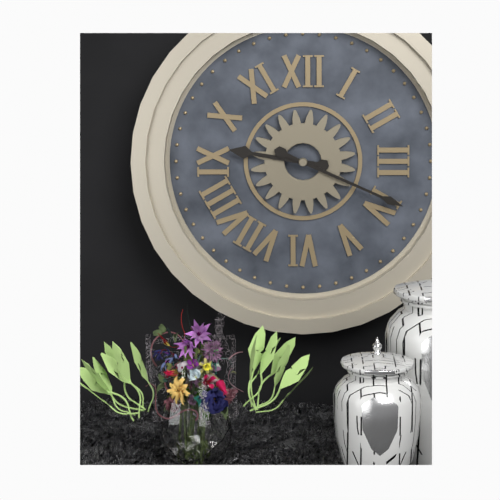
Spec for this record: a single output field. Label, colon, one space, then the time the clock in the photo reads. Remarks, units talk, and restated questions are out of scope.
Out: 9:19
